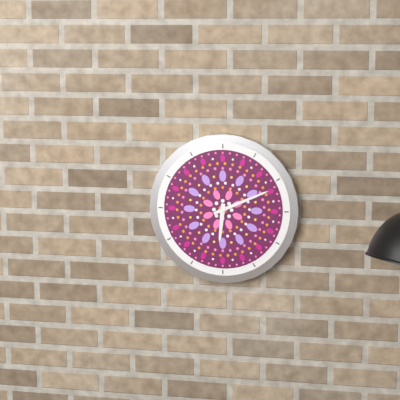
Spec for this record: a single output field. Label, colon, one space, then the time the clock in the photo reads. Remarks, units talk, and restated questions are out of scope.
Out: 6:11
